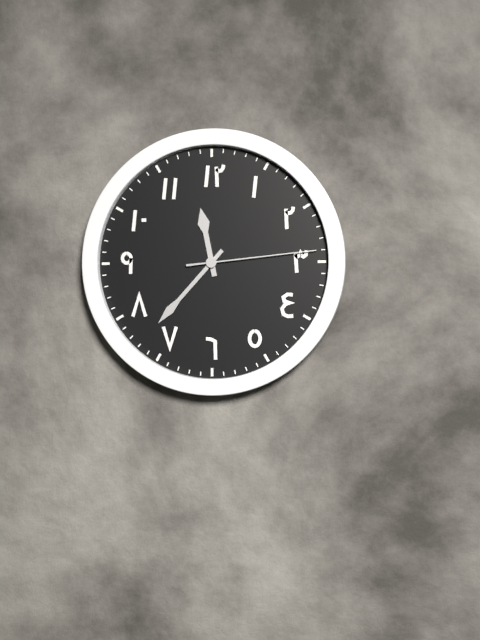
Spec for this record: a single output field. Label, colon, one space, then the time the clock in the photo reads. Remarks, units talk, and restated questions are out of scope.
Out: 11:37:14
